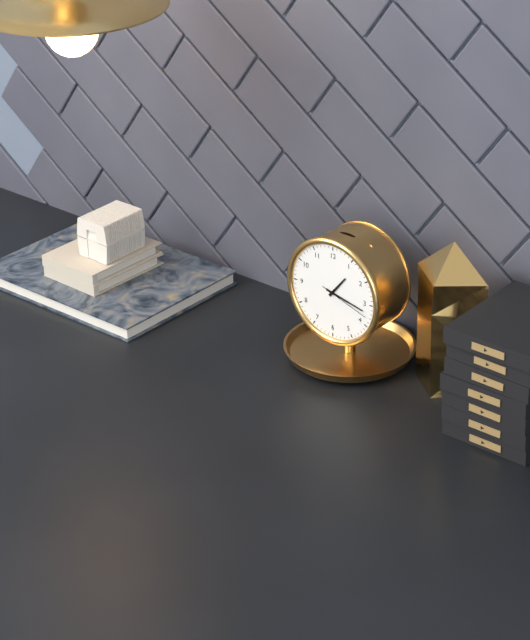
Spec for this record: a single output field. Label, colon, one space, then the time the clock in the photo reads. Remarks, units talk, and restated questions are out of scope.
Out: 1:17:18
